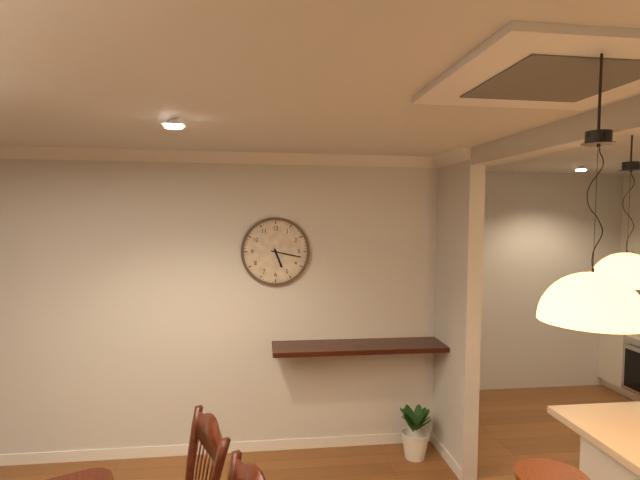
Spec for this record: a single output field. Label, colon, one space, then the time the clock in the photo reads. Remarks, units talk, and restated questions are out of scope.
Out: 5:17
